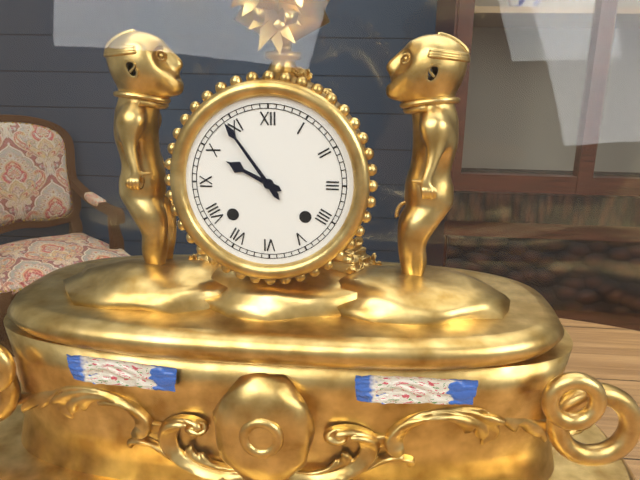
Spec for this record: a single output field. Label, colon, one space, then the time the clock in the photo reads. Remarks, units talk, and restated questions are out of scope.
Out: 9:54
